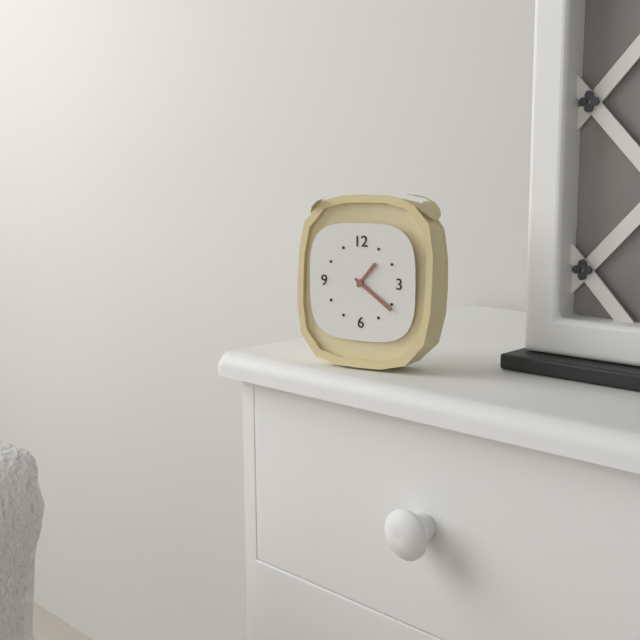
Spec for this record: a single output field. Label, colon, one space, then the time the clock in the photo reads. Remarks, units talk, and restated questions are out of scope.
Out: 1:21
